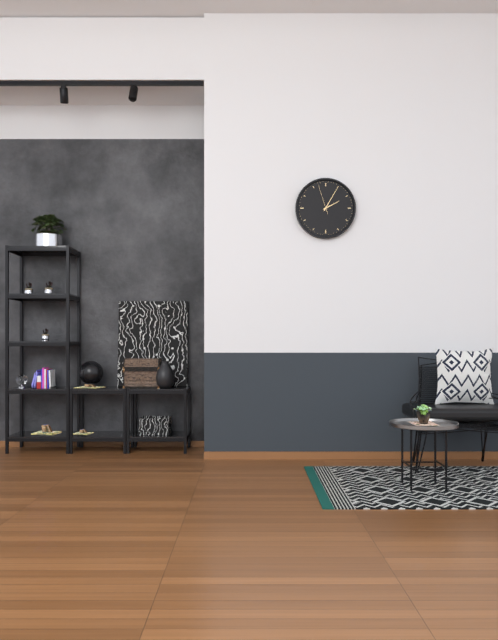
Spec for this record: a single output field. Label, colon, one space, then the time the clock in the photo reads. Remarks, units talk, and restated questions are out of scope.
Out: 2:05
